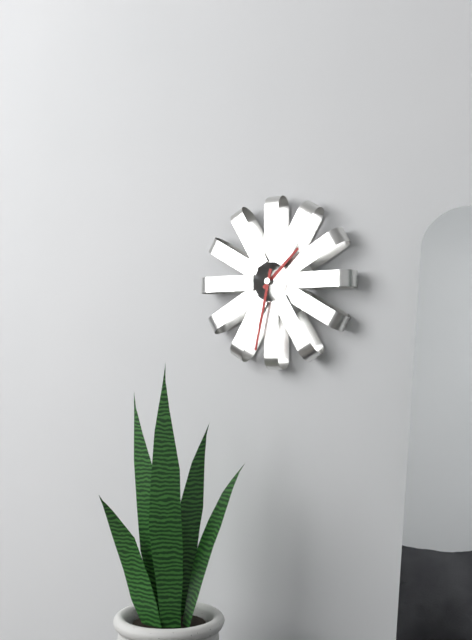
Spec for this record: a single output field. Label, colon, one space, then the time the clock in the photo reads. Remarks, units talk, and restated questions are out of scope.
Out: 1:32
